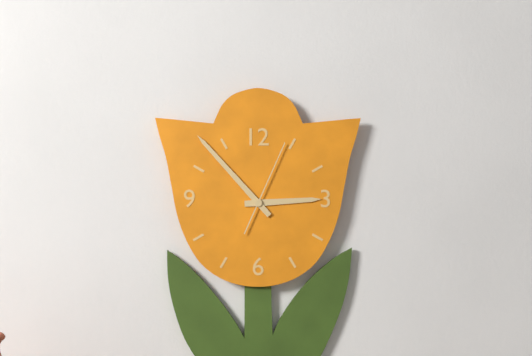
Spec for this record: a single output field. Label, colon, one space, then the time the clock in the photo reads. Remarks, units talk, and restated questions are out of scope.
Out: 2:53:04
